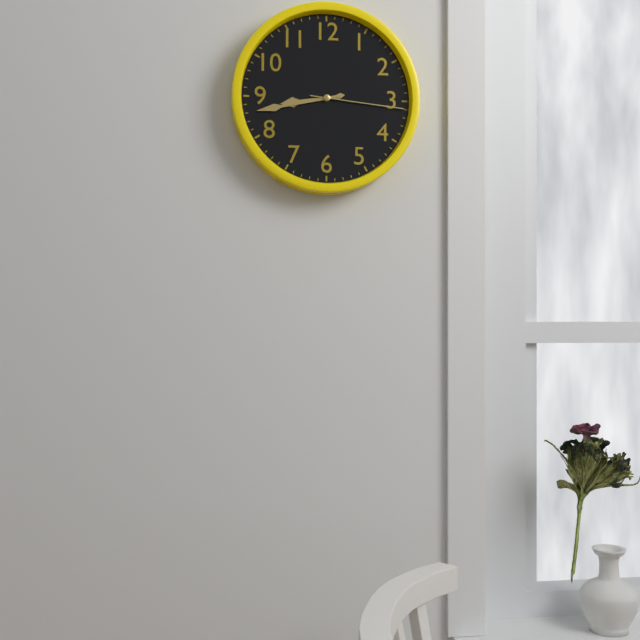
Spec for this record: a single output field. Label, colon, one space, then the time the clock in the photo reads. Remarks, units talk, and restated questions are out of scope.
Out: 8:43:16
